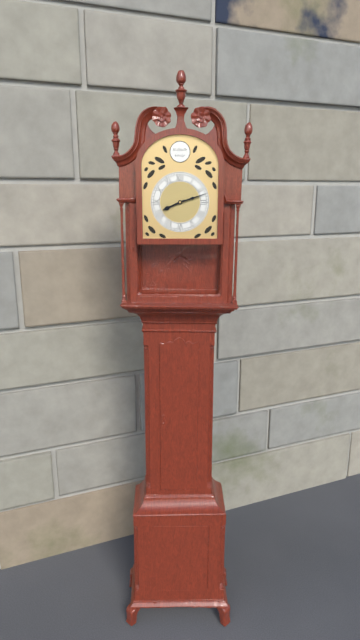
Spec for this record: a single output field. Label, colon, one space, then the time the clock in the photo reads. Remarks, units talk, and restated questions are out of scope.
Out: 8:12
